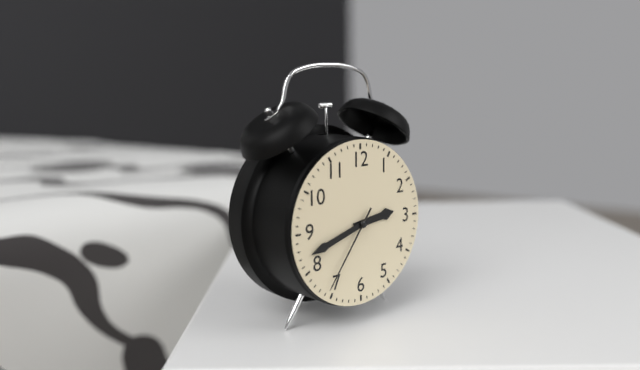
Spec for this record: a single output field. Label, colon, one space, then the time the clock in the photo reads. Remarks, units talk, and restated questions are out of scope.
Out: 2:42:36
